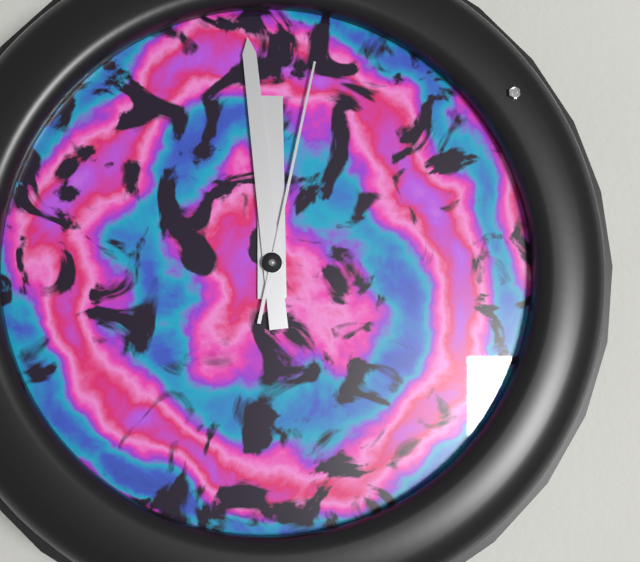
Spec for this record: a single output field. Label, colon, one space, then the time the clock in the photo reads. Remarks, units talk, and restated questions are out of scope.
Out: 11:59:02
